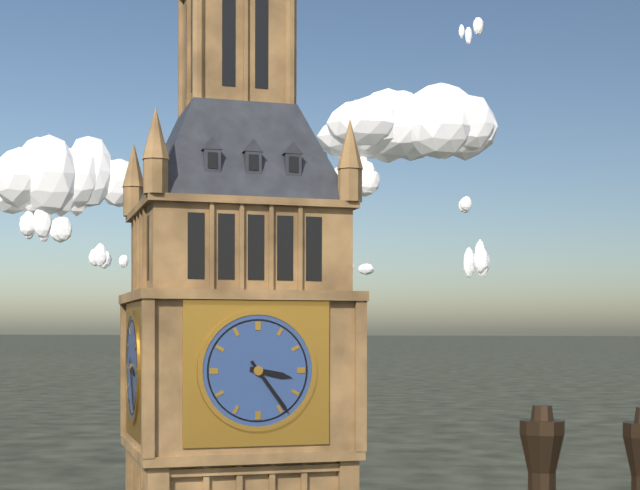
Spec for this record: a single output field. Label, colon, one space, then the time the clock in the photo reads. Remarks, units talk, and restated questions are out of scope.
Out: 3:24
